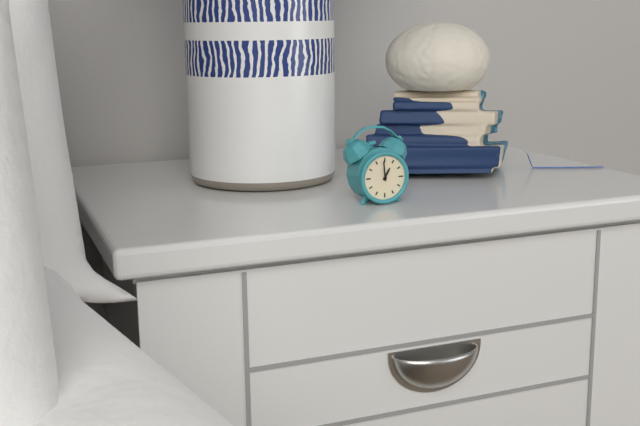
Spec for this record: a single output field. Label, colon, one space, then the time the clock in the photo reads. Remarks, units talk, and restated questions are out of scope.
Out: 12:59
